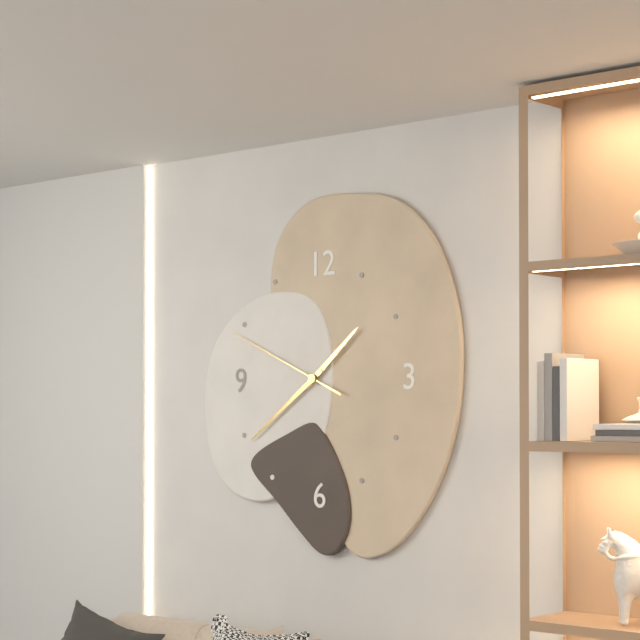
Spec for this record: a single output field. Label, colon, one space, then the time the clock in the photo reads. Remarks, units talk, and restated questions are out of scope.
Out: 1:39:49
